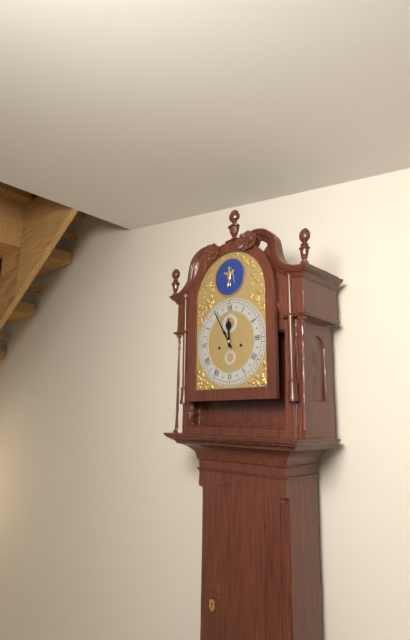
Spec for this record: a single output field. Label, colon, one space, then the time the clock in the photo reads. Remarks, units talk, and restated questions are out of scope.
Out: 11:55
